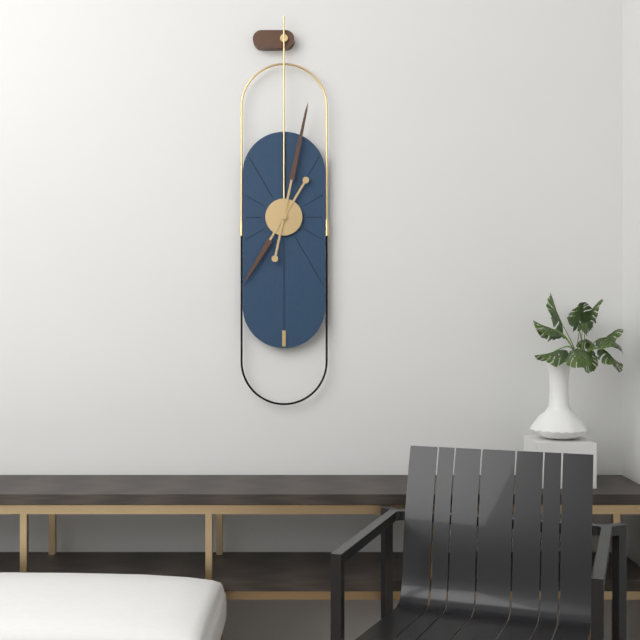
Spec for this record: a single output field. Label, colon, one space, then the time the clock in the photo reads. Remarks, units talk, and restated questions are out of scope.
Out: 7:02
